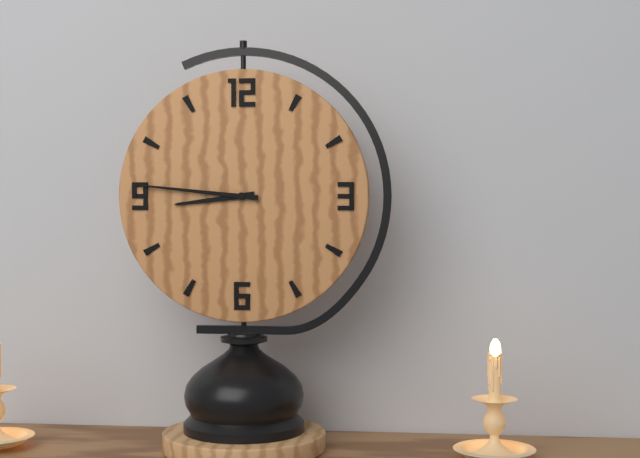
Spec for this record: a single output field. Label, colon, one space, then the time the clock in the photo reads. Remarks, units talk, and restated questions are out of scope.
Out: 8:46
